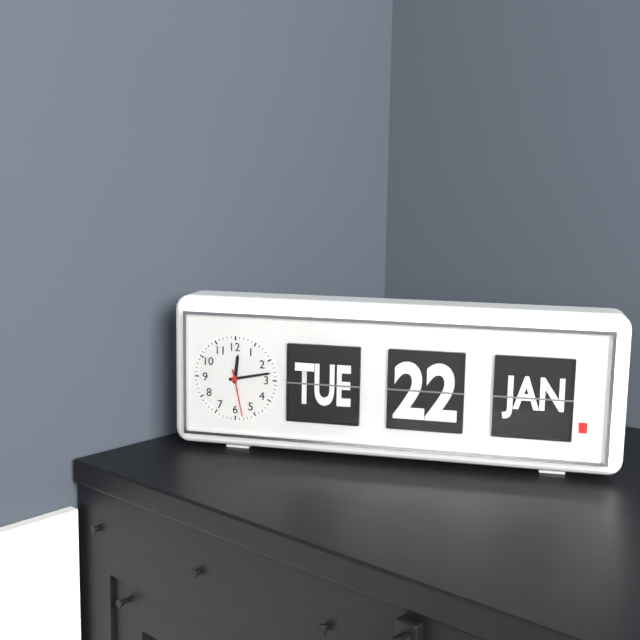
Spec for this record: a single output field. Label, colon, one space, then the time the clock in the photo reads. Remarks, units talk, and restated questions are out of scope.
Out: 12:13:28
